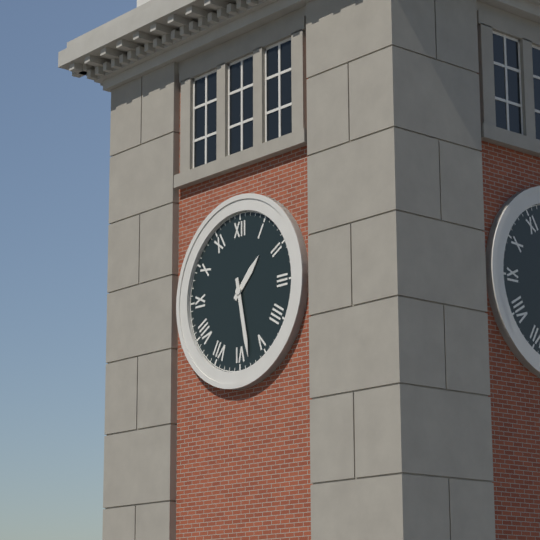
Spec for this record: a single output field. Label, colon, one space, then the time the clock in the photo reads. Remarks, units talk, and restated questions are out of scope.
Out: 1:28
